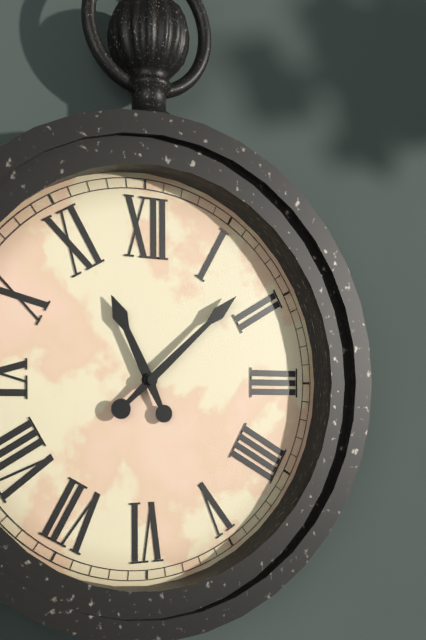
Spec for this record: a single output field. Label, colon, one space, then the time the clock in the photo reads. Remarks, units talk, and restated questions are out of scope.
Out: 11:08
